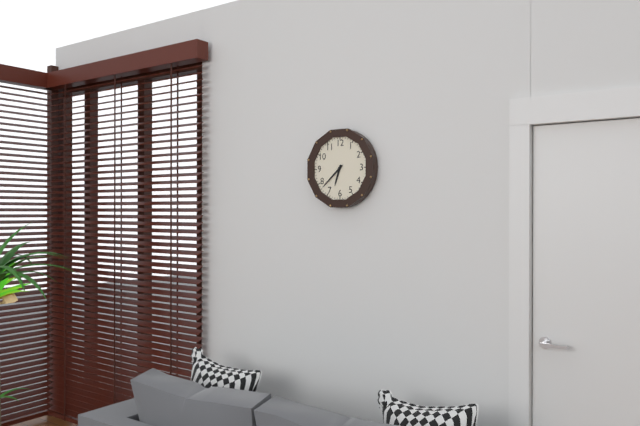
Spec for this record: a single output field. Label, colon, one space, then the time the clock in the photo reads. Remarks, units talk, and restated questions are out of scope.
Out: 6:38
